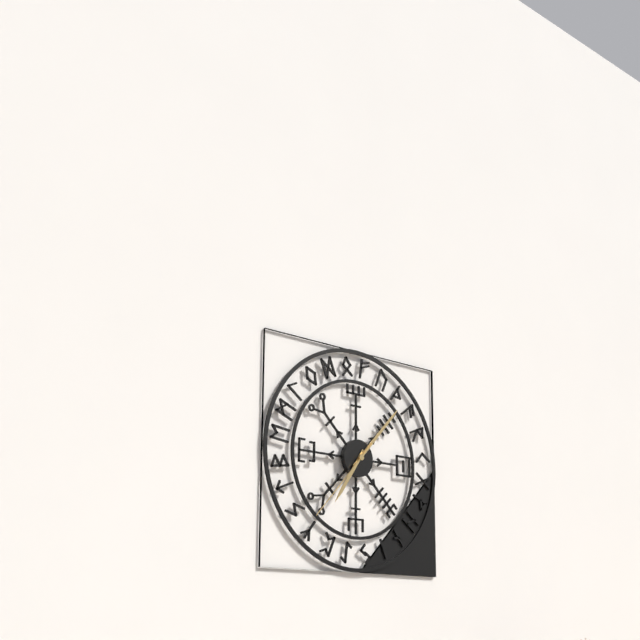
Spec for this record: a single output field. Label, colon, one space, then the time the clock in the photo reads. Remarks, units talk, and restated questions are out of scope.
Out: 7:07:37
